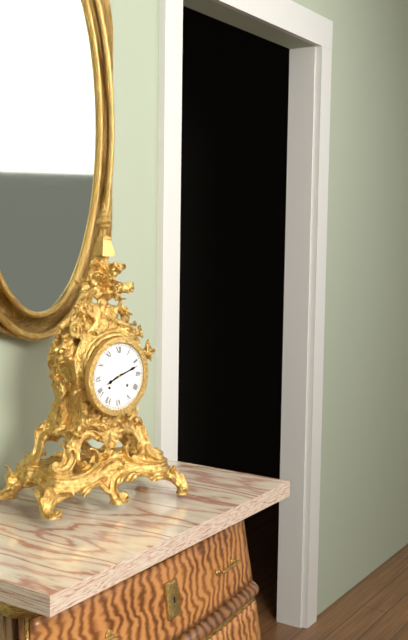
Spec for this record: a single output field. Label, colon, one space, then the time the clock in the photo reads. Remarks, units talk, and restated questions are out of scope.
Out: 8:12
